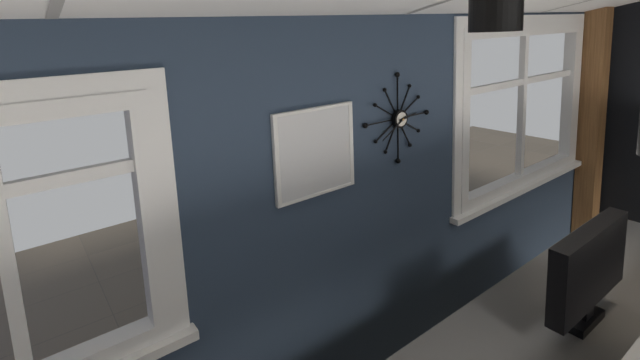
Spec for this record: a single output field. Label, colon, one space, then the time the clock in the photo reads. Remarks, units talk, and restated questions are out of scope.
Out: 2:40
